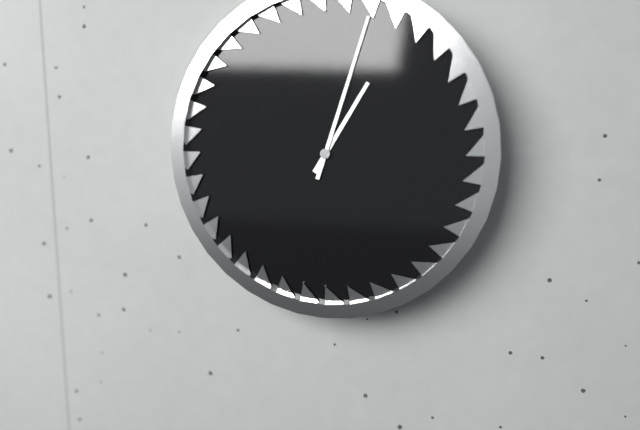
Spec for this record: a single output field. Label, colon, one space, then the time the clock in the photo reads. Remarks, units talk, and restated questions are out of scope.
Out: 1:03
